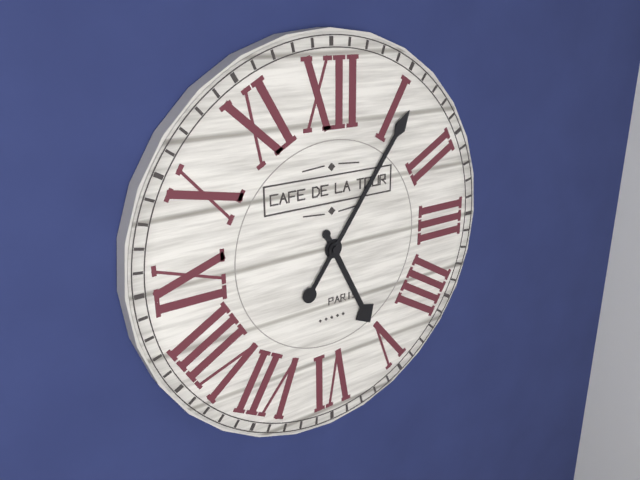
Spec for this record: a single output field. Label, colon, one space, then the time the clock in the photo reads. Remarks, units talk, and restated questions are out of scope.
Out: 5:06
